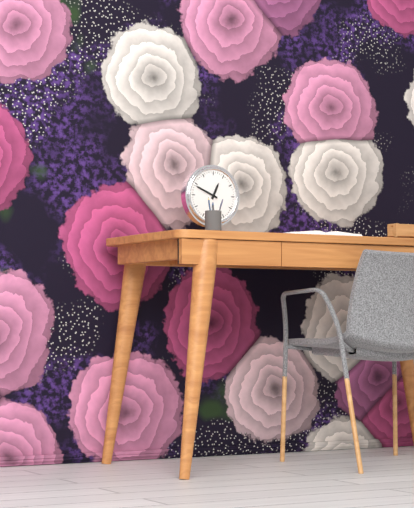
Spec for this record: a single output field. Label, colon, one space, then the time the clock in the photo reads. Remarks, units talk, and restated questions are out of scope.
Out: 12:49
